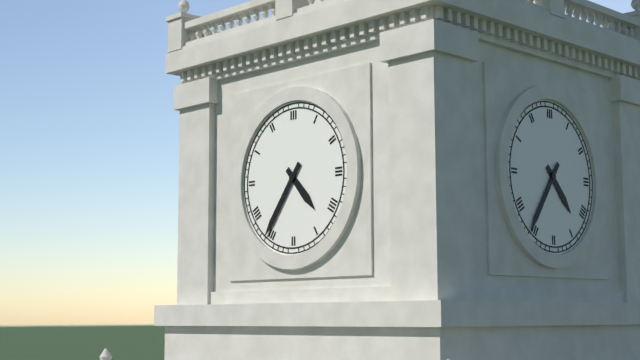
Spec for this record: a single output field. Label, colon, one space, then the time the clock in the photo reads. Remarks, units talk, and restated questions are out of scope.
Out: 4:36
